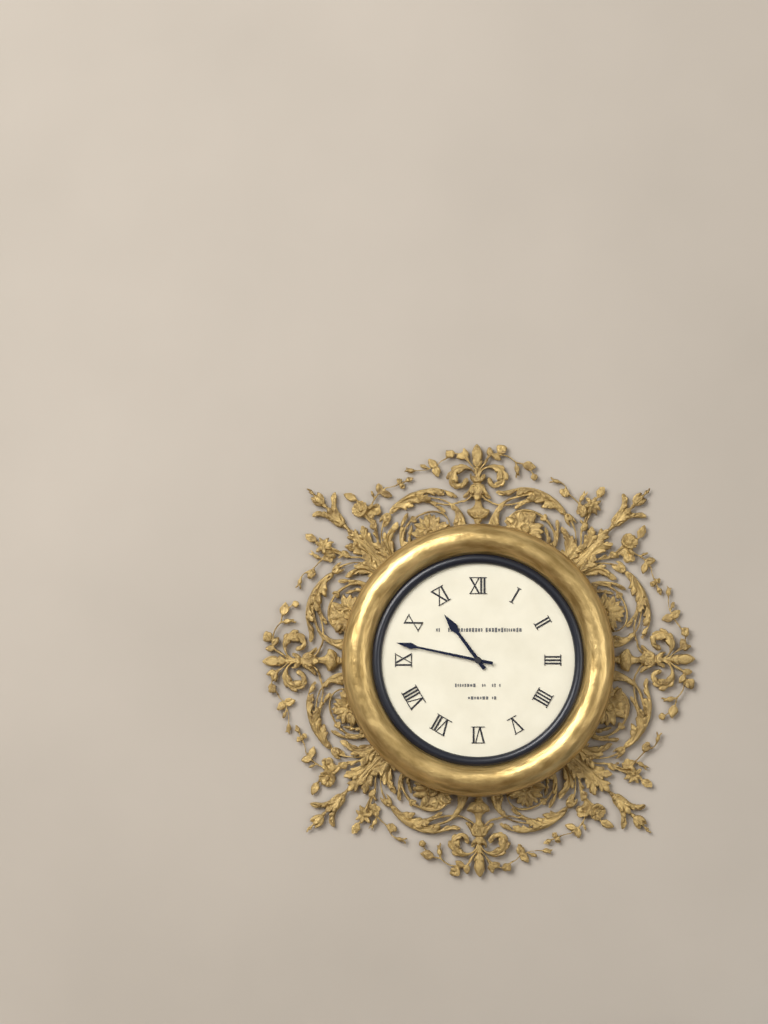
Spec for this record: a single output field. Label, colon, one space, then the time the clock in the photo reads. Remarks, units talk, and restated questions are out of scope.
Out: 10:47
